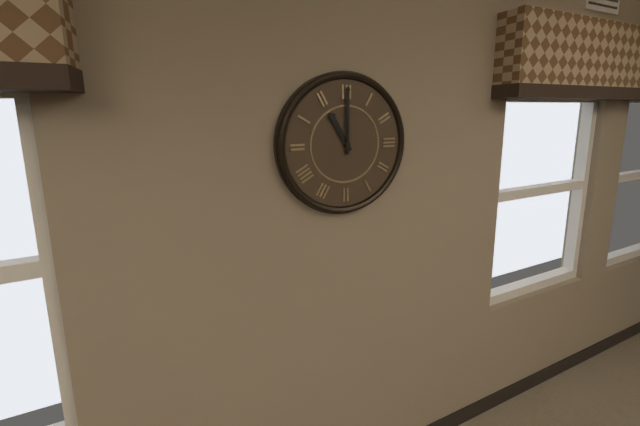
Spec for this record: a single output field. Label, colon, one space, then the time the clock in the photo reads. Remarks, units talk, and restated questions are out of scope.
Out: 11:00
